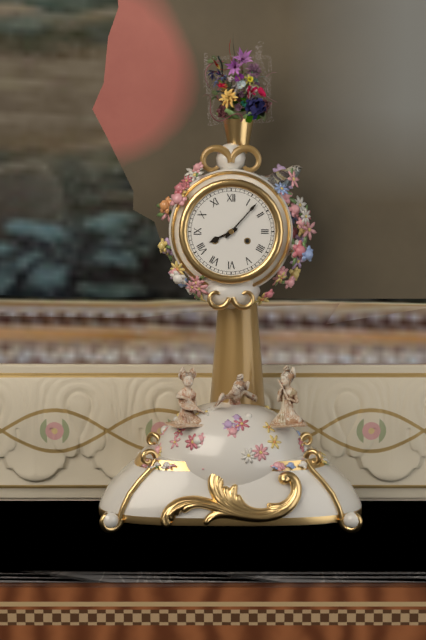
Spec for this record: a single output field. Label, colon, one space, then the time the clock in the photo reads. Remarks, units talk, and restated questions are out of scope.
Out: 8:07
